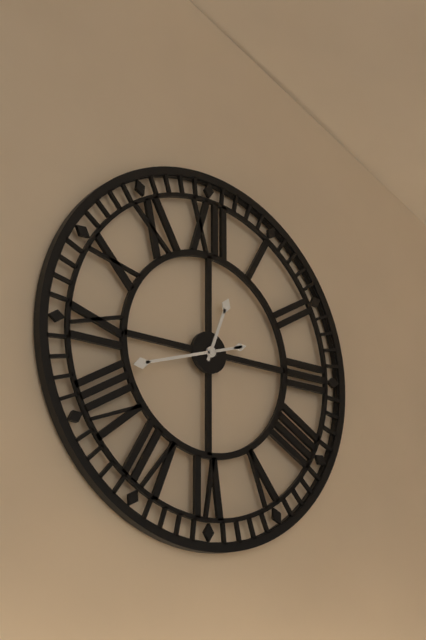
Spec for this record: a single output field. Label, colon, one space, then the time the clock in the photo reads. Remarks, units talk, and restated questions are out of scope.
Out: 12:42
